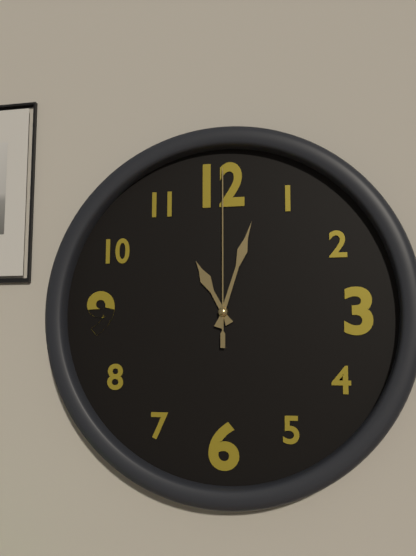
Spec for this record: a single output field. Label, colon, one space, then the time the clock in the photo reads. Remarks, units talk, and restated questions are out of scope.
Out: 11:03:00
